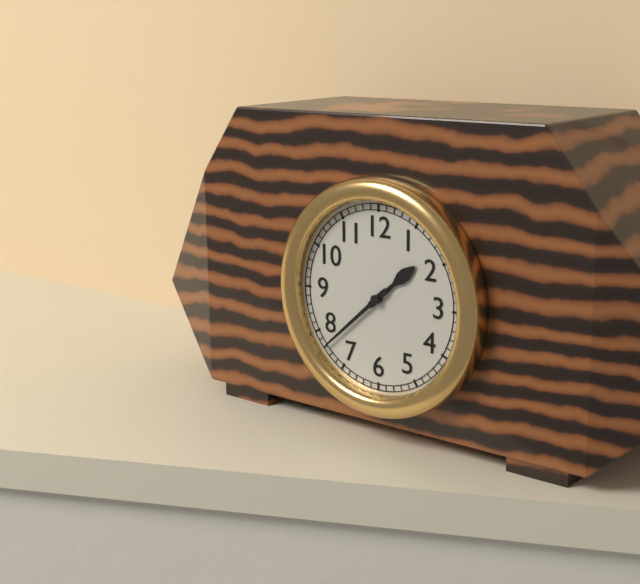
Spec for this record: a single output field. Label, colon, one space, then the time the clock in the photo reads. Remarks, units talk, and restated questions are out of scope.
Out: 1:38
